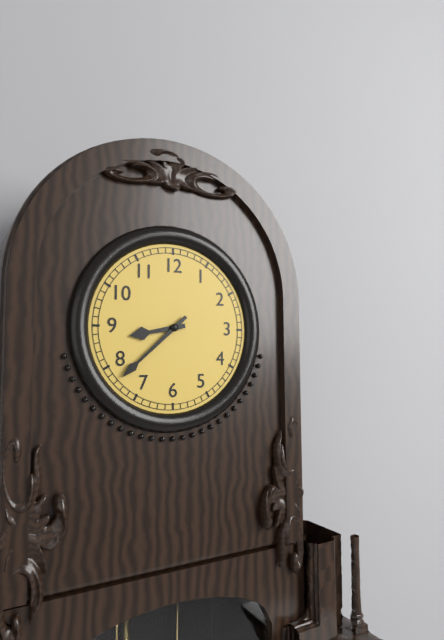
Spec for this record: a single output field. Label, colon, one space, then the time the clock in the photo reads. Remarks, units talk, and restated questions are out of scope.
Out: 8:38
